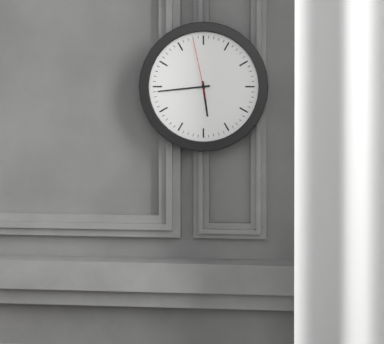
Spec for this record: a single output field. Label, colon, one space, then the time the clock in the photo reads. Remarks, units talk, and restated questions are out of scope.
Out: 5:44:58
